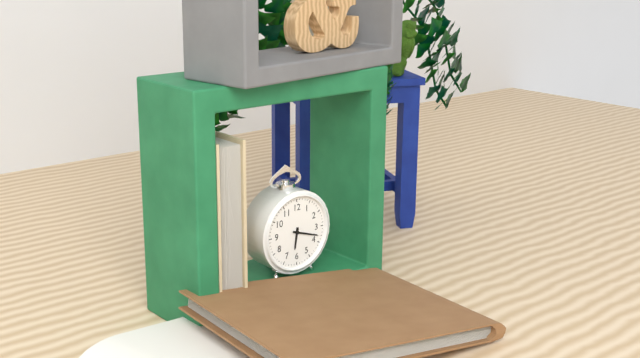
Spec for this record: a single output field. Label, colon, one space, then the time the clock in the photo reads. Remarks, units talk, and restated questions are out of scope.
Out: 6:18
